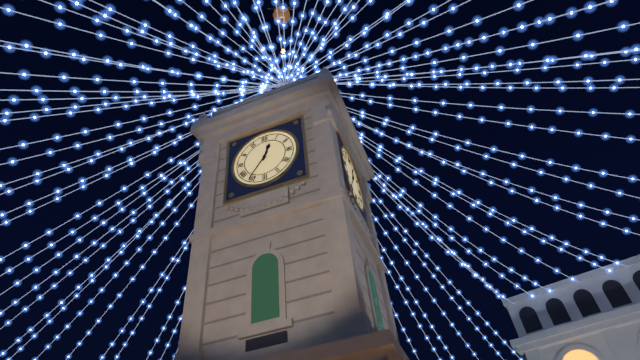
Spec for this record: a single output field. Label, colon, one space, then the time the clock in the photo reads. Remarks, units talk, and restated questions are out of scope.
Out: 12:36
